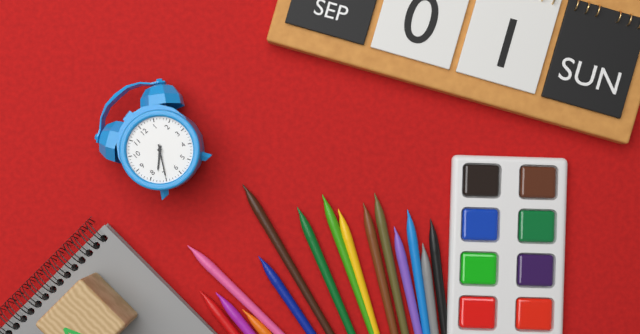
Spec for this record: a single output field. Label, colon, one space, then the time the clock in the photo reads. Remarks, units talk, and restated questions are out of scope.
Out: 7:35
